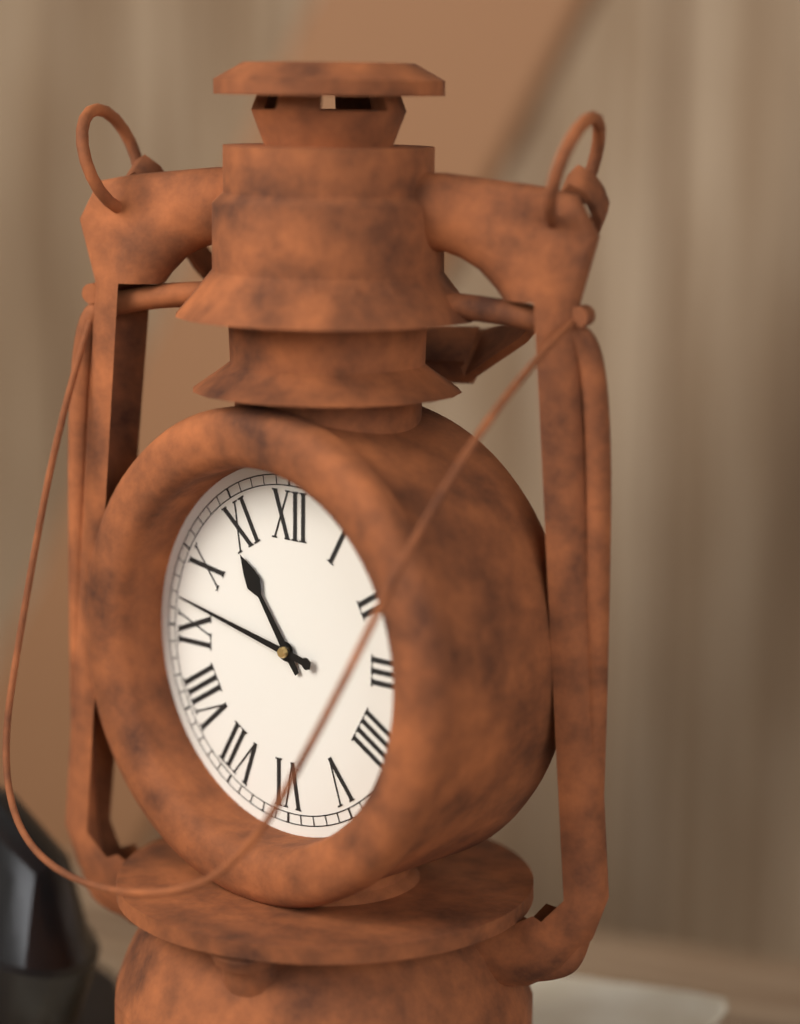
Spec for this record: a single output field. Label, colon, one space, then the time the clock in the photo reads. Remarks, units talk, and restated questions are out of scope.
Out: 10:47
